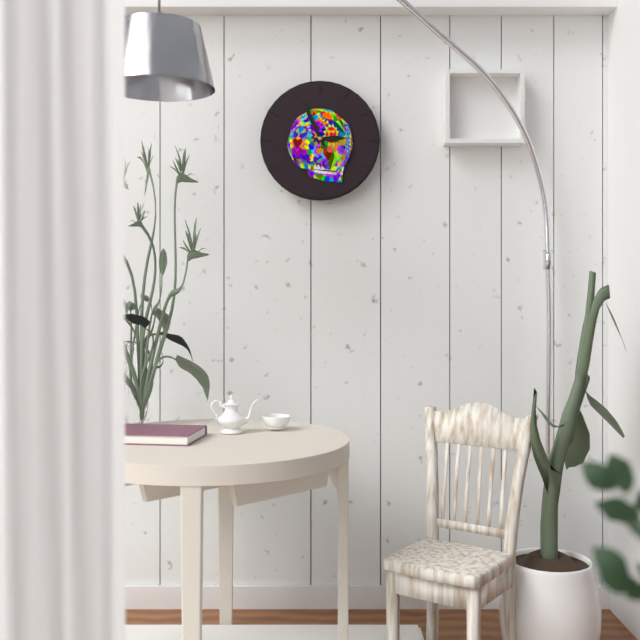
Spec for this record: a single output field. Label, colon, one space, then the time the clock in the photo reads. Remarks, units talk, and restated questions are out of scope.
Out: 2:56
